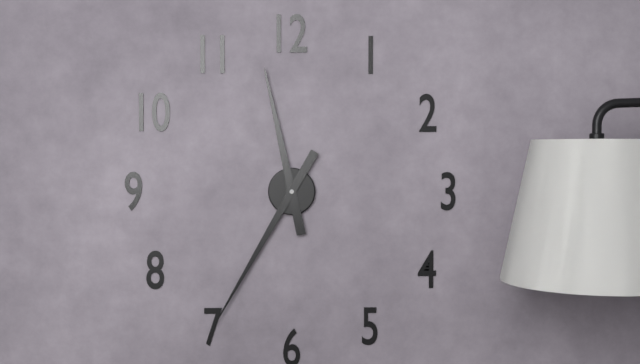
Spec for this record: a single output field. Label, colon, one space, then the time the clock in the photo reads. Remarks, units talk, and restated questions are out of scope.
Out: 11:35
